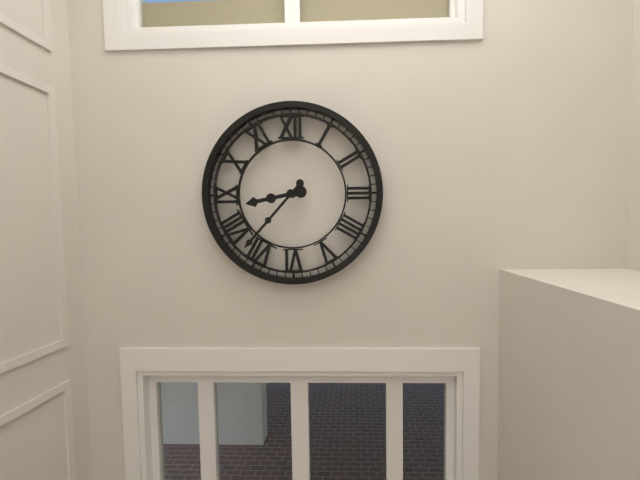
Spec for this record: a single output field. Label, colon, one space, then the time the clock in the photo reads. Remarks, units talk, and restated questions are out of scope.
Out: 8:37
